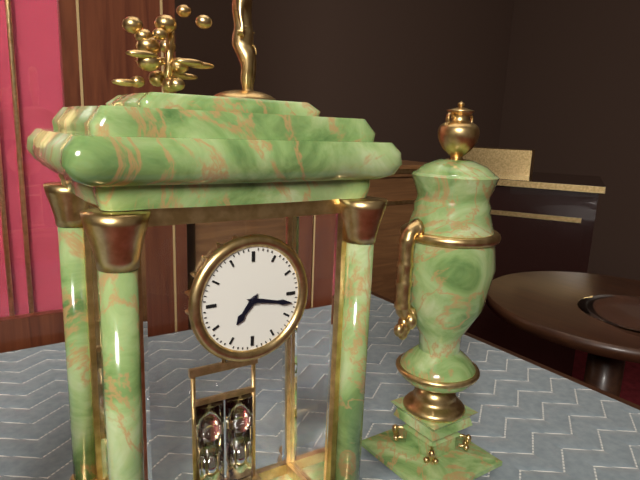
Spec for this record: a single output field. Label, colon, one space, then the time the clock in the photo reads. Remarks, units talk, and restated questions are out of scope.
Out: 7:17
